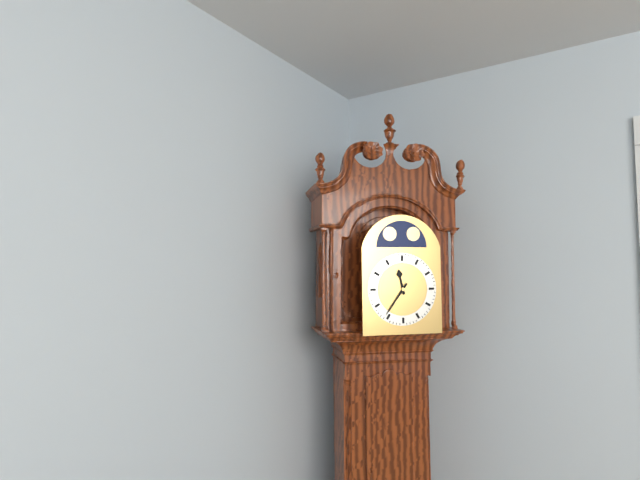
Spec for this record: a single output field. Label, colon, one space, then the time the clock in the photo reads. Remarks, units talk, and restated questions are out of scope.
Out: 11:36
